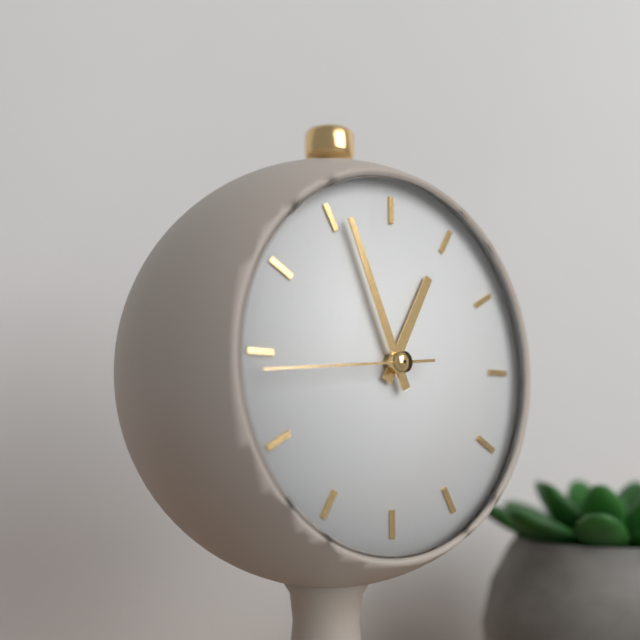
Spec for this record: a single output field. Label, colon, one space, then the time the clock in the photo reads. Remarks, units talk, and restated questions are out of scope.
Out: 12:56:44
